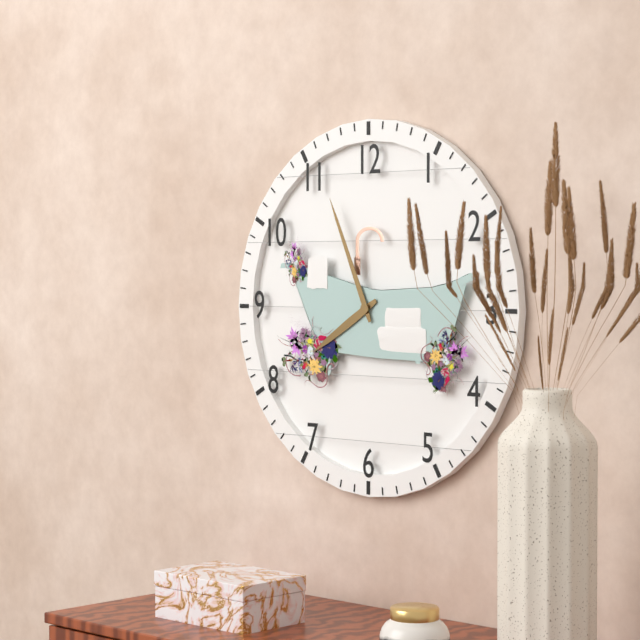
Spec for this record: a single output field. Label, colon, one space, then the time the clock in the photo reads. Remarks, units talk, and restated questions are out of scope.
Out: 7:56
